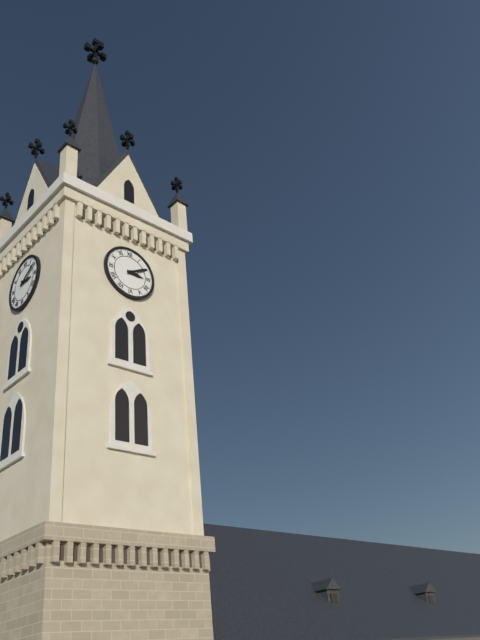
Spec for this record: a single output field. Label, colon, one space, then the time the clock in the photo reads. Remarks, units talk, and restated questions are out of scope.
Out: 3:10
